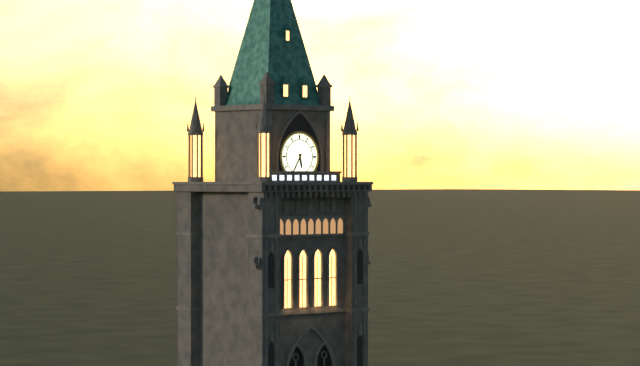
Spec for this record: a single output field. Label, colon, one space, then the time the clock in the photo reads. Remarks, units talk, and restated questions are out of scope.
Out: 5:35
